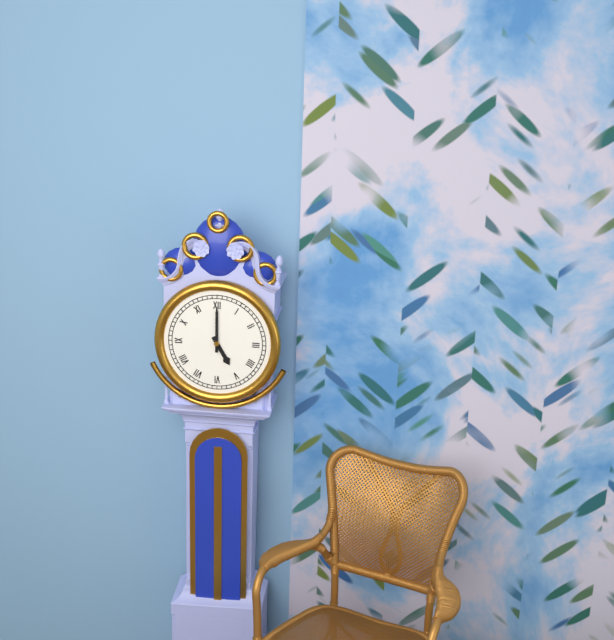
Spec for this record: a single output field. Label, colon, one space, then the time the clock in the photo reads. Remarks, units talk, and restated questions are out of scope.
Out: 5:00
